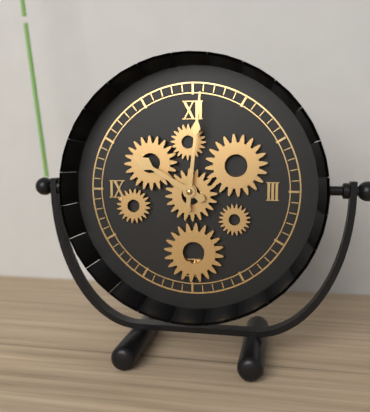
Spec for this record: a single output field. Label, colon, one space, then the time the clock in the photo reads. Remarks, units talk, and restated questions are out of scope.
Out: 10:01
